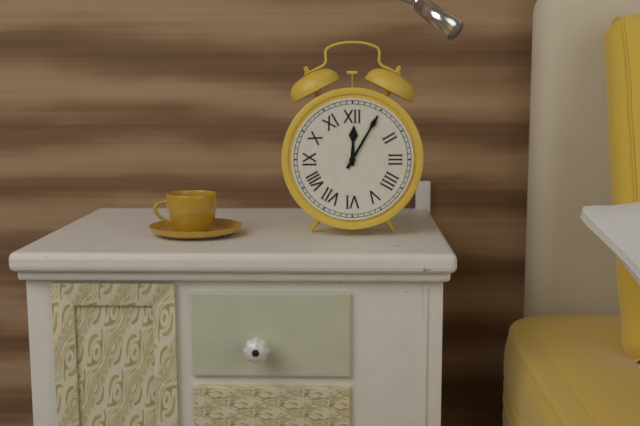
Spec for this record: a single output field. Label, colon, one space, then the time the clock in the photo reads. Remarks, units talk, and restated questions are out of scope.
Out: 12:05
